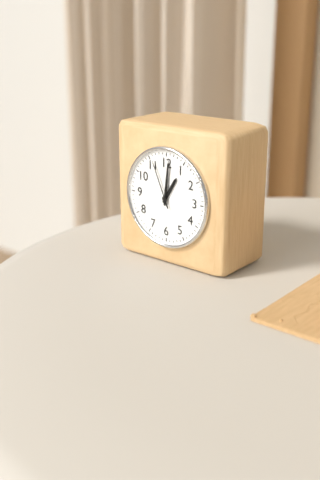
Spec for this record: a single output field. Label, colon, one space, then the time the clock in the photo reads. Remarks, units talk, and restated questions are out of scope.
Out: 1:01:56
